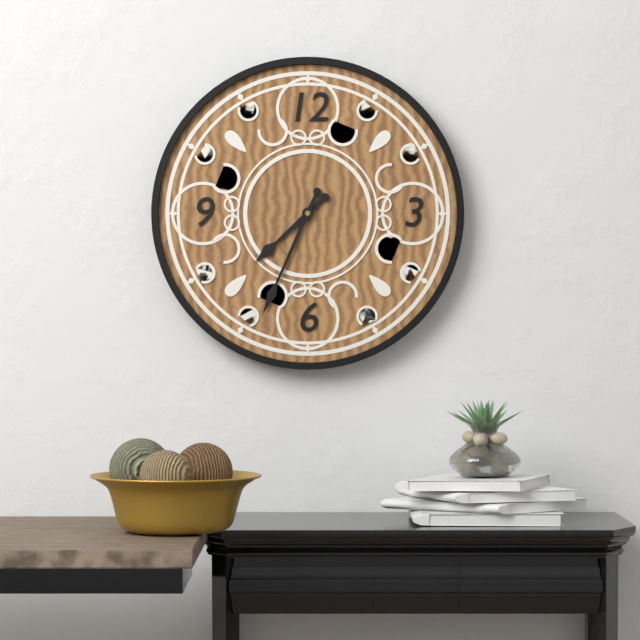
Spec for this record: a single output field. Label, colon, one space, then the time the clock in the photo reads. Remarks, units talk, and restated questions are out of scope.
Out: 7:34
